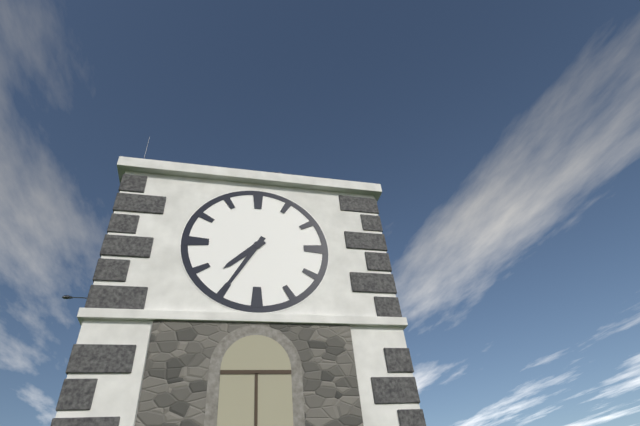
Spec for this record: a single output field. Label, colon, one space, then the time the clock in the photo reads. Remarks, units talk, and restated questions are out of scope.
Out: 7:35
